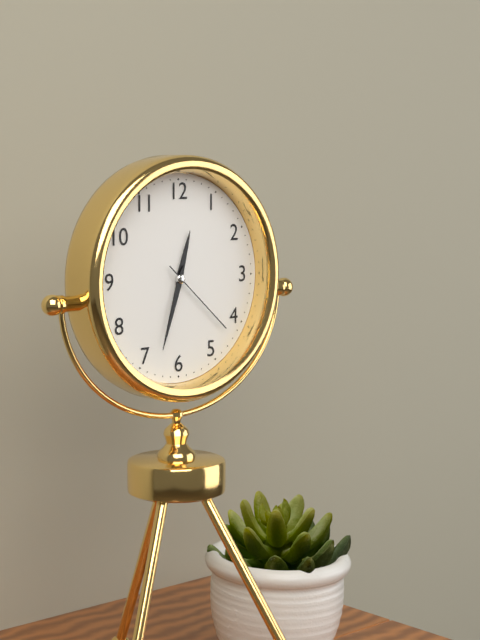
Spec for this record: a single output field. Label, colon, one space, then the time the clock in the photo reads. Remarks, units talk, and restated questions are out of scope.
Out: 12:33:22
